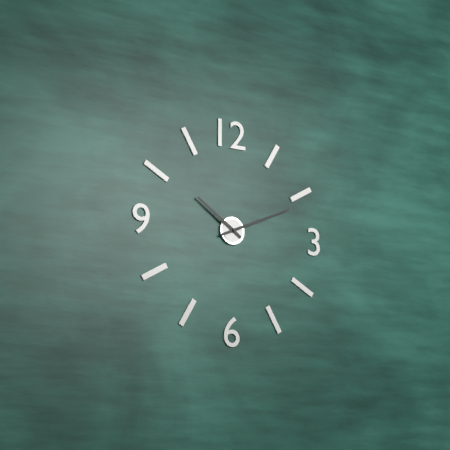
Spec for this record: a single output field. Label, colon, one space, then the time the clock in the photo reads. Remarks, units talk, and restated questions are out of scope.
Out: 10:11
